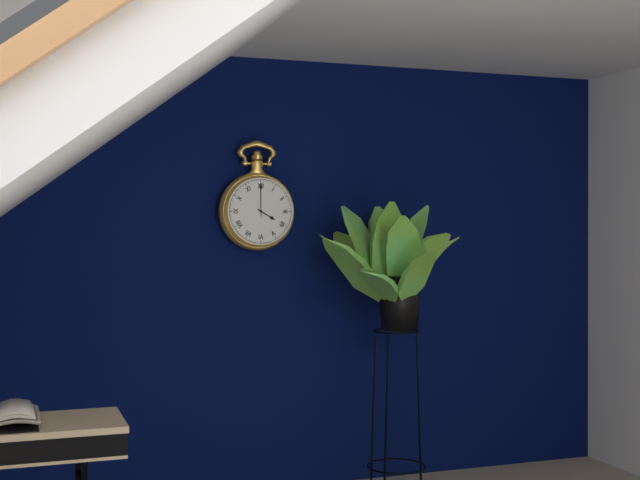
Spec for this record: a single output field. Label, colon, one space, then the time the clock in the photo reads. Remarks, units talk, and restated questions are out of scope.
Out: 4:00
